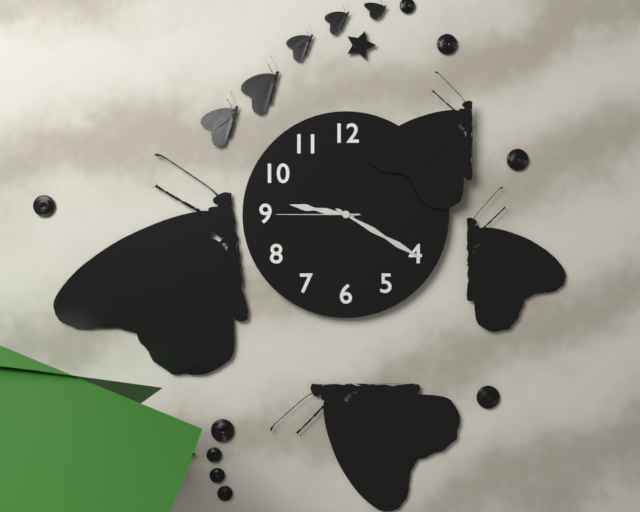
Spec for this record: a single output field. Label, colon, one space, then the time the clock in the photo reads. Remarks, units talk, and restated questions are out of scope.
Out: 9:20:45
